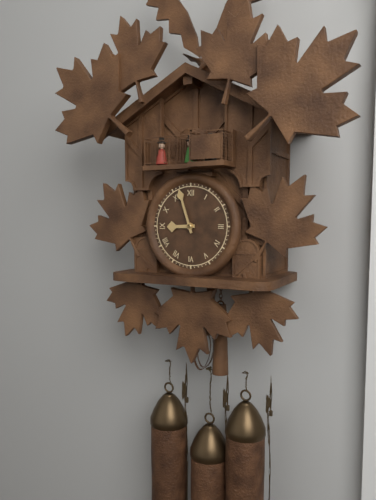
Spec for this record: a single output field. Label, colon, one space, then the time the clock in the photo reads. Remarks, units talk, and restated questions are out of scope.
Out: 8:57
